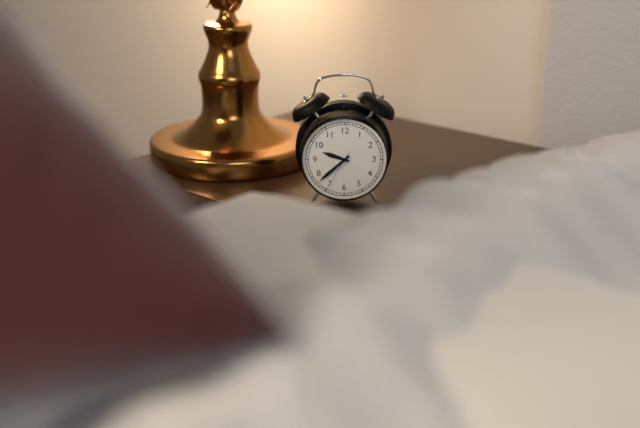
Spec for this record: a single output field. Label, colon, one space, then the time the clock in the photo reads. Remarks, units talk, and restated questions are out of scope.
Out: 9:38
